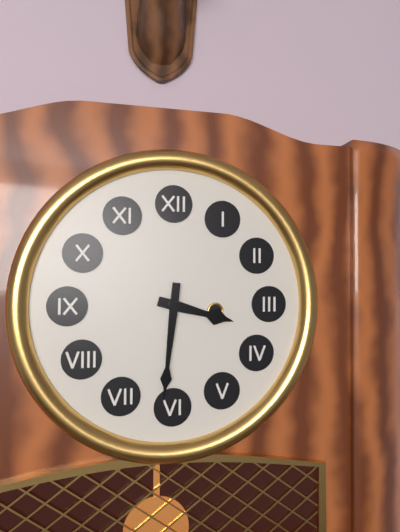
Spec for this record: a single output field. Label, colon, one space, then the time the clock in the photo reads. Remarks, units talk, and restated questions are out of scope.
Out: 3:31
